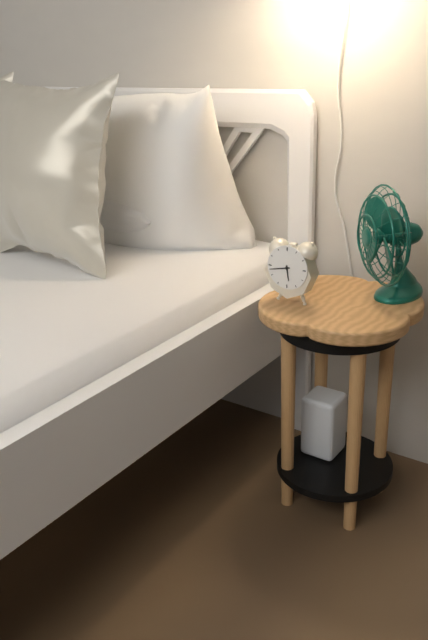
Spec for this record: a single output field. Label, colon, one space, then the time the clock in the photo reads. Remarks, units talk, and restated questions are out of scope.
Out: 5:43
